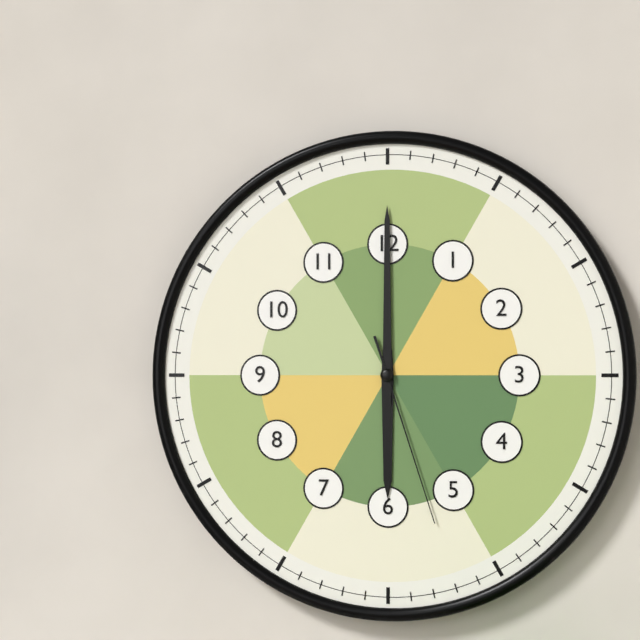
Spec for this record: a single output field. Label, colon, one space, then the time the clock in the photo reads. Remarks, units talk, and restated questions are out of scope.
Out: 6:00:27
